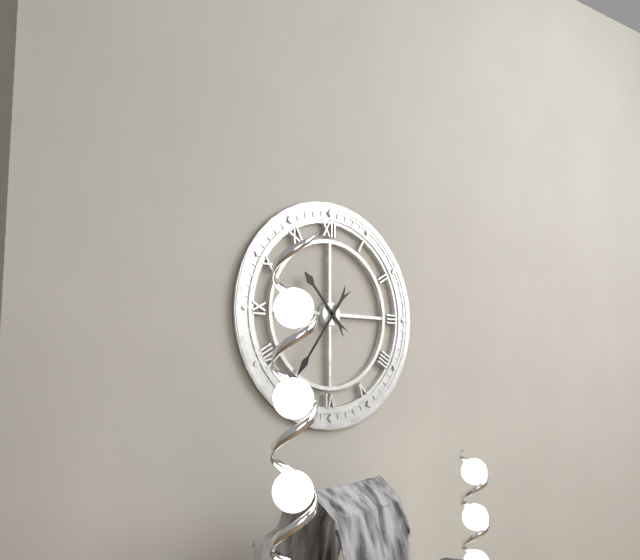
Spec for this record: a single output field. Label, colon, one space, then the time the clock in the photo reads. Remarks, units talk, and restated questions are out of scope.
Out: 10:36
